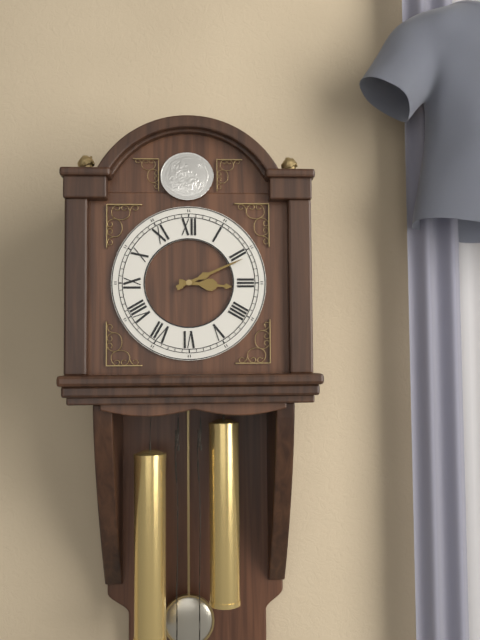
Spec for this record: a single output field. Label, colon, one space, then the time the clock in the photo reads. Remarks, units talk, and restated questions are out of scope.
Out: 3:11
